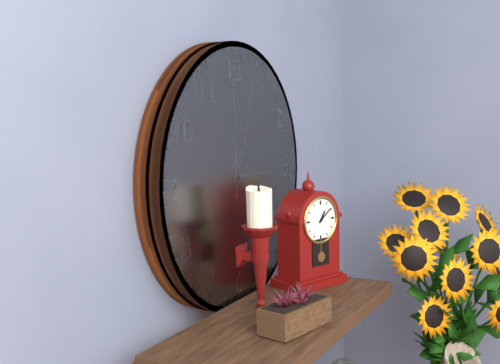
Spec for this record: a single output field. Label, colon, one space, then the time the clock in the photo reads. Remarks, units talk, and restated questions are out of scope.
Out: 1:09
